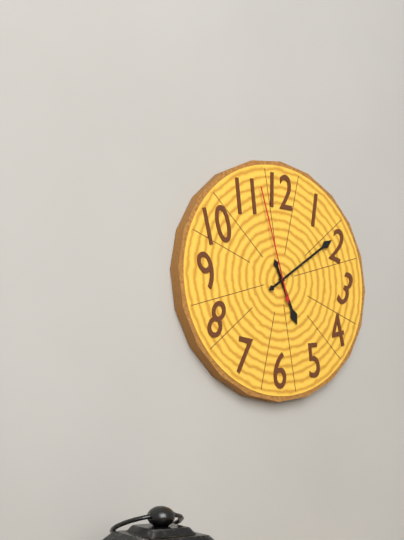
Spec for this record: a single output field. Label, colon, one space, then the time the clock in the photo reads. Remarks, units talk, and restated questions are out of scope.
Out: 5:09:57
